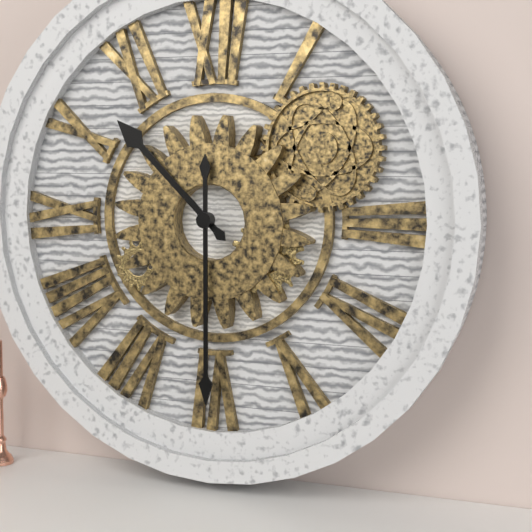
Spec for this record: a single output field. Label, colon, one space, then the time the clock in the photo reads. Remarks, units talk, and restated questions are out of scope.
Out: 10:30
